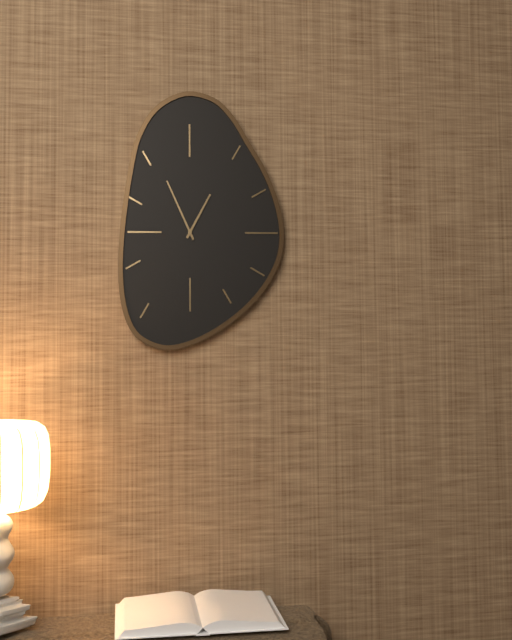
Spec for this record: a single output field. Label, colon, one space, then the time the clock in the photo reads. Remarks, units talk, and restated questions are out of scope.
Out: 12:56
